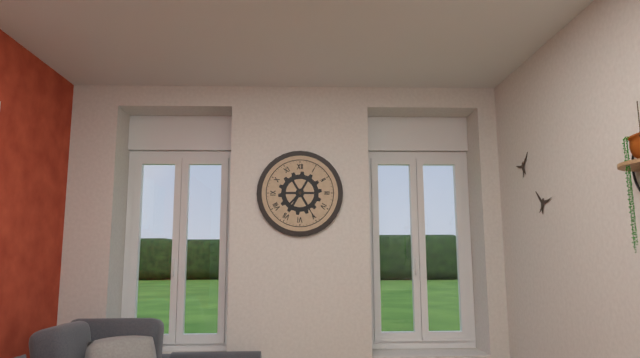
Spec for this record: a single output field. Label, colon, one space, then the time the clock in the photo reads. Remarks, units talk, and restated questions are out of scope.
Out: 7:25
